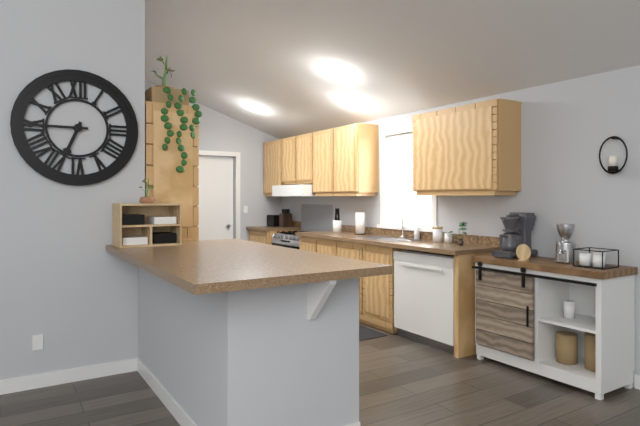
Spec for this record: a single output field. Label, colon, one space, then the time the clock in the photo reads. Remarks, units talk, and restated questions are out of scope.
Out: 6:45
